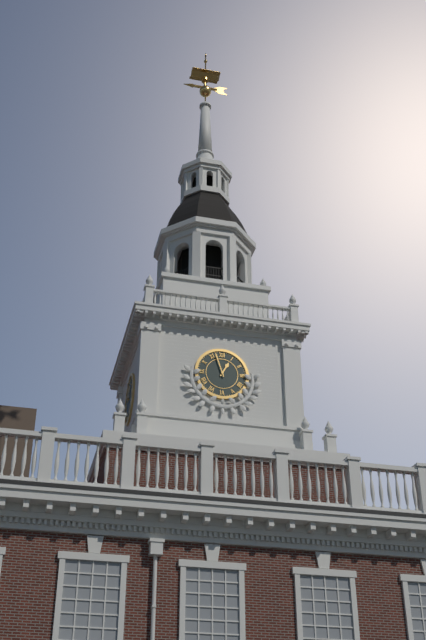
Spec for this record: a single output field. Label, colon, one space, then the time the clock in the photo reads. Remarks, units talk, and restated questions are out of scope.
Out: 12:57
